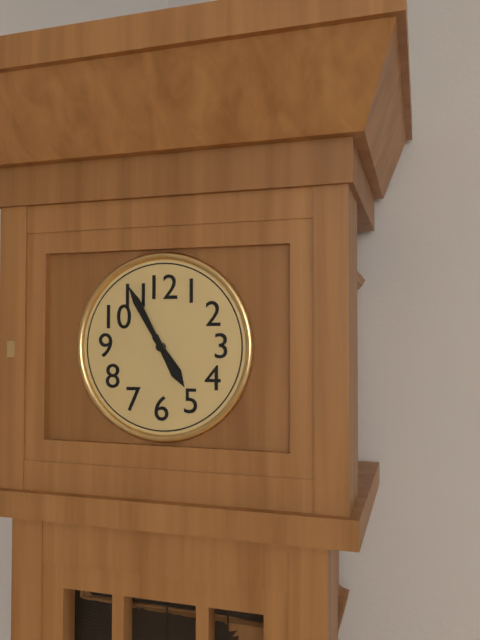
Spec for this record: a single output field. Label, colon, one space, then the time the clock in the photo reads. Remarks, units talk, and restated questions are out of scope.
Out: 4:55
